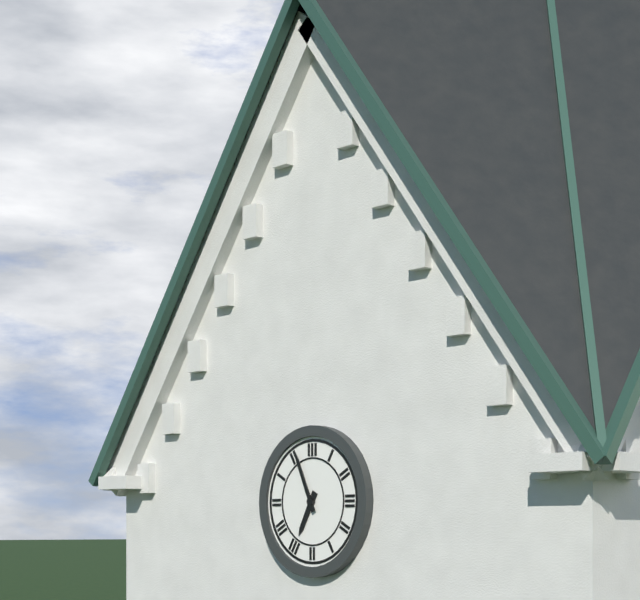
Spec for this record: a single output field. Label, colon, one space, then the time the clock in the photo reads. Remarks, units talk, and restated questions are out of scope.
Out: 6:56
